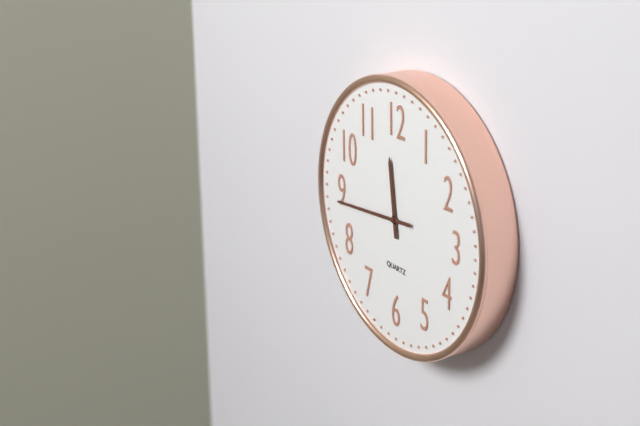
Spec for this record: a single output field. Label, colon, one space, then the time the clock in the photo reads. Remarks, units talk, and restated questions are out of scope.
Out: 11:44
